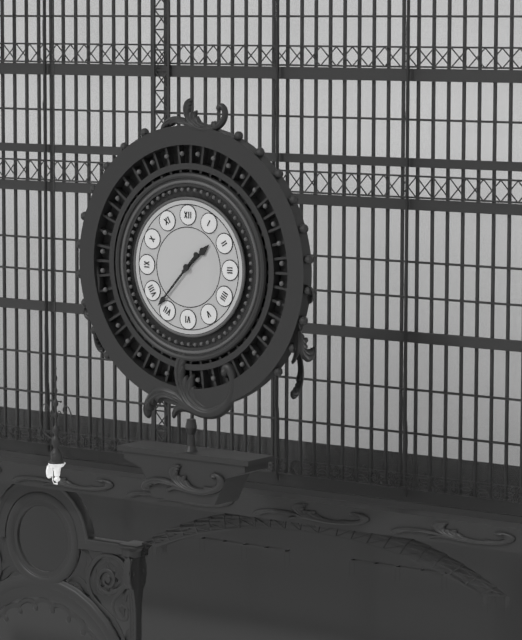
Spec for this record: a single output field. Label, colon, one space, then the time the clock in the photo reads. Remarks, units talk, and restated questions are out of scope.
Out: 1:37
